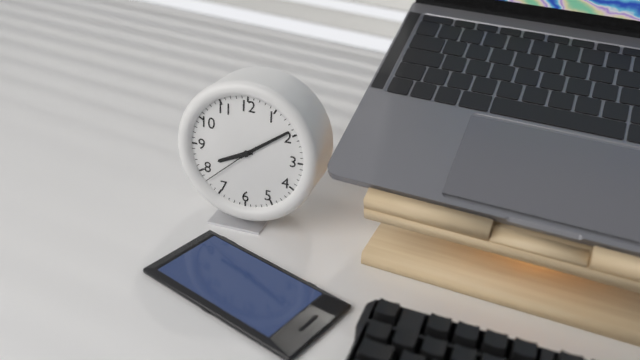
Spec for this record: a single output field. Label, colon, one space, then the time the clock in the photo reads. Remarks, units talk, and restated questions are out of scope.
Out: 8:09:38
